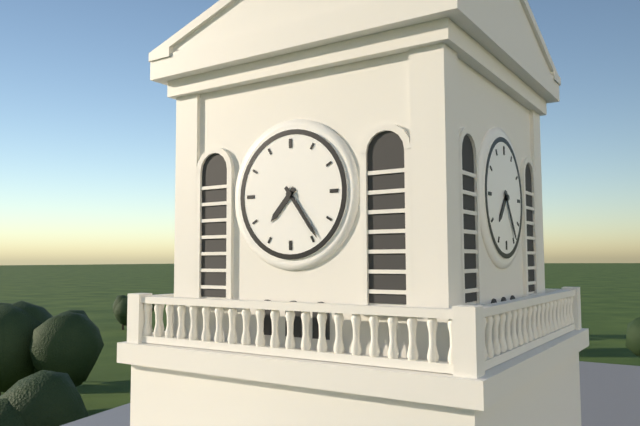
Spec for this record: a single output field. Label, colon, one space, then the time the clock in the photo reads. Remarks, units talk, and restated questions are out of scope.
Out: 7:24
